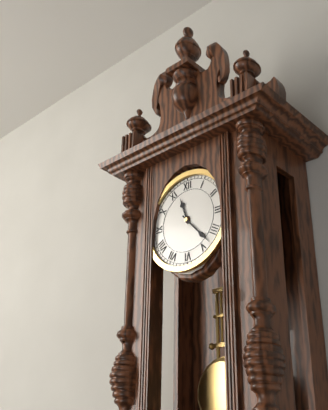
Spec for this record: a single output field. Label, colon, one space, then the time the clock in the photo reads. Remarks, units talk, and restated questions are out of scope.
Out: 11:23
